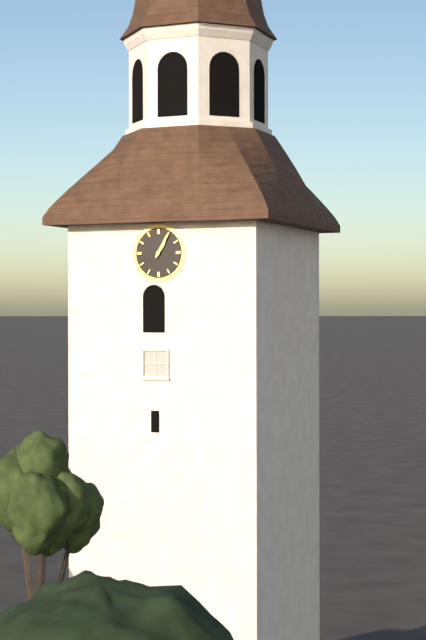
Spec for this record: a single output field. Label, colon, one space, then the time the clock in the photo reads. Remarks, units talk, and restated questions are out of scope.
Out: 1:05
